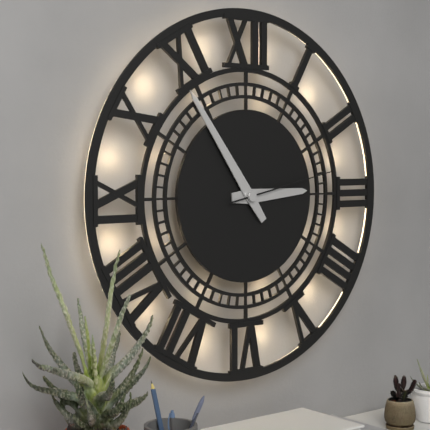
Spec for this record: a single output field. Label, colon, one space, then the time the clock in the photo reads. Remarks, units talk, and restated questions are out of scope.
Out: 2:54:13
